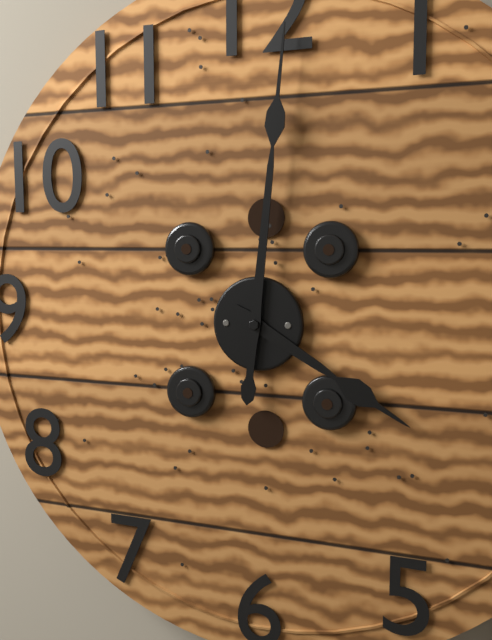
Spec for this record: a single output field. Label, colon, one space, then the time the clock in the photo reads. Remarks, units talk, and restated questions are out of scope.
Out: 4:01
